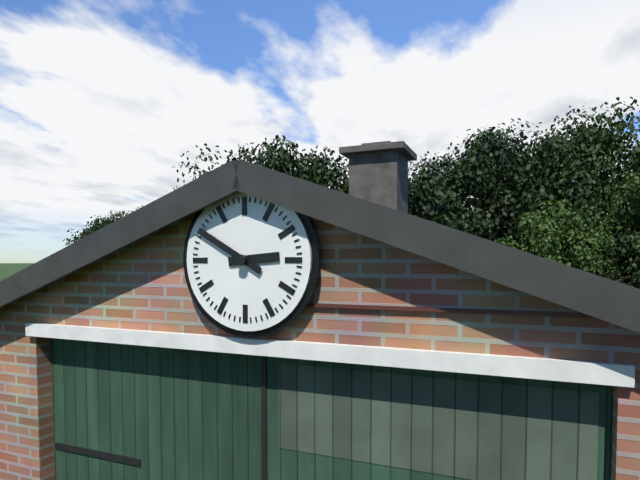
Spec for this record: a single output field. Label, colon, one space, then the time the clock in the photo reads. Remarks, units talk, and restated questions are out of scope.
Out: 2:50
